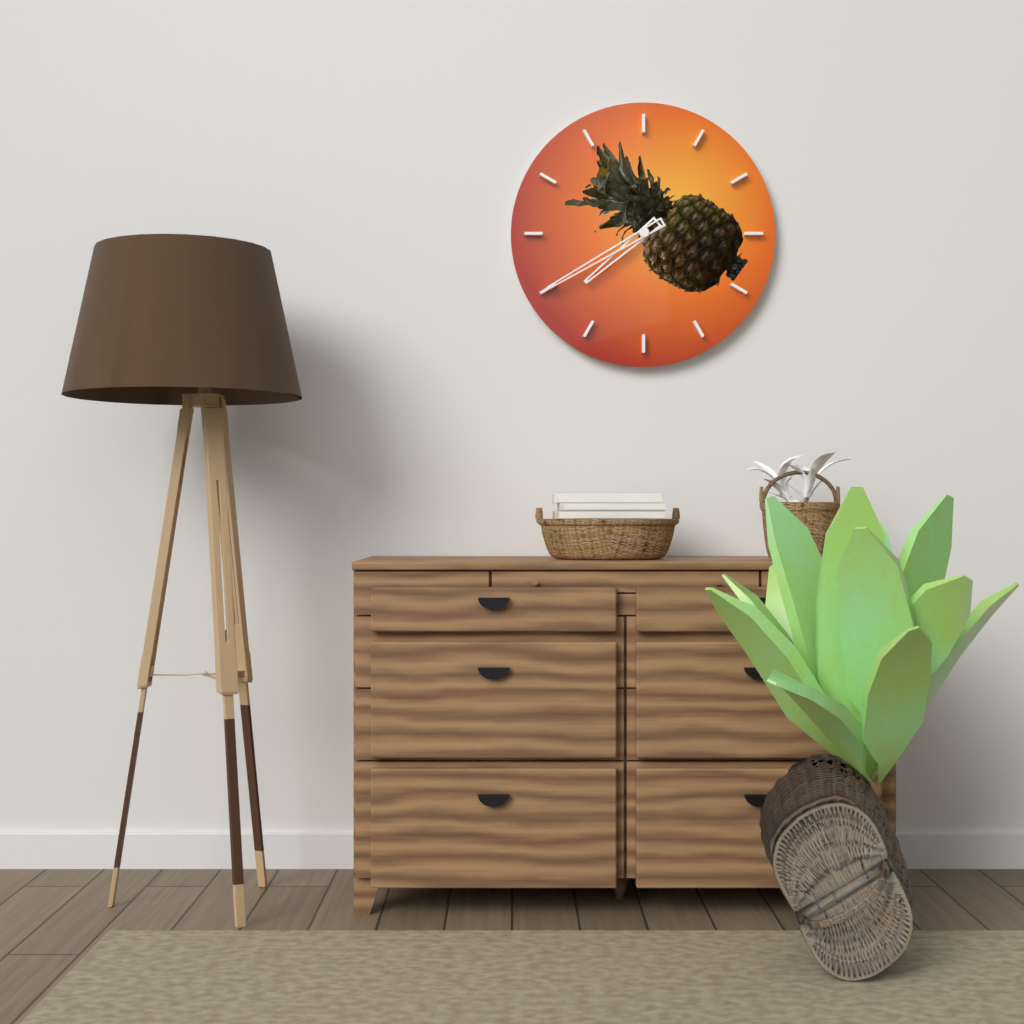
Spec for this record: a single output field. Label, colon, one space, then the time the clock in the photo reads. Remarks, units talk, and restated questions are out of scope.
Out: 7:40
